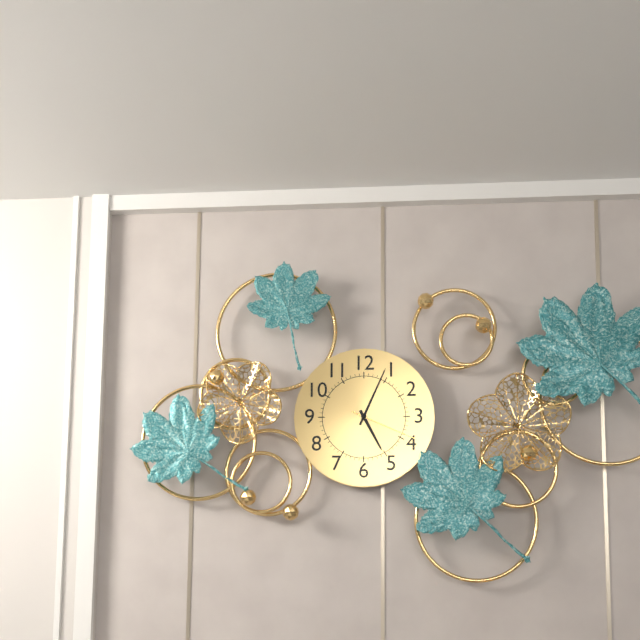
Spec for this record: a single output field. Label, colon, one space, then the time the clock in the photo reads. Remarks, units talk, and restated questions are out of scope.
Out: 5:04:19
